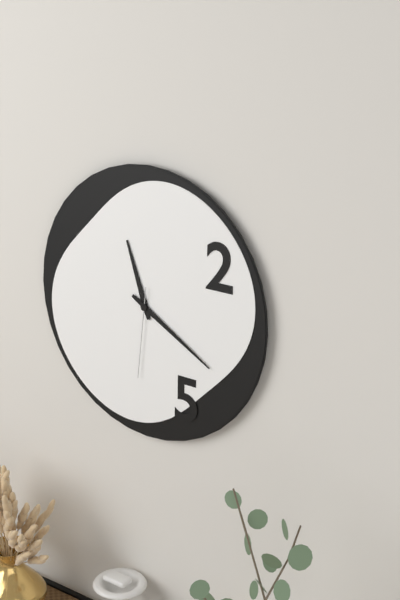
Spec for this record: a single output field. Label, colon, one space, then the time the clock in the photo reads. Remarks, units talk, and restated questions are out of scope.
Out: 11:20:31
